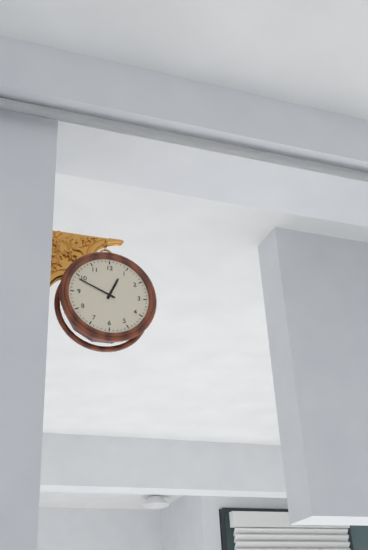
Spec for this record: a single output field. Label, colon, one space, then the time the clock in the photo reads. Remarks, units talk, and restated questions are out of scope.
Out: 12:49
